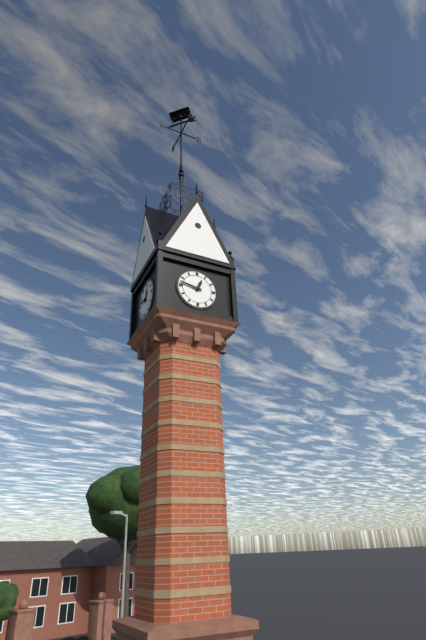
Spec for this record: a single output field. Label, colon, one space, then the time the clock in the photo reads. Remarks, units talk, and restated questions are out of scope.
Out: 12:47
